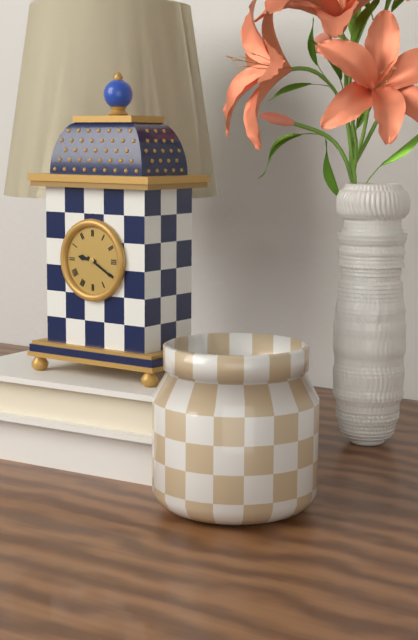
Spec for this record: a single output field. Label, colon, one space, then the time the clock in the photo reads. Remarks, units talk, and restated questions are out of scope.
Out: 9:20
